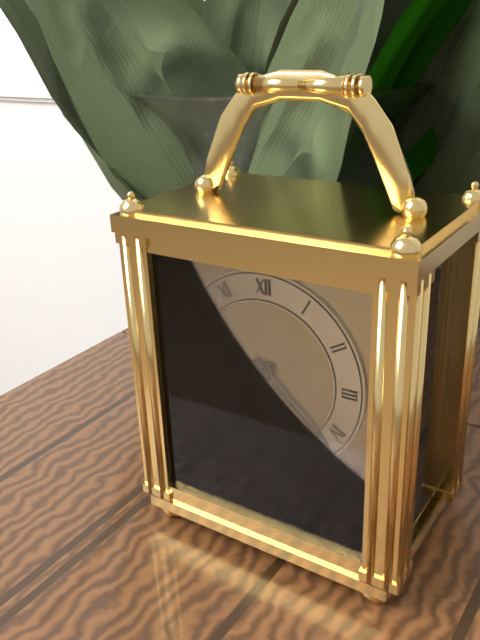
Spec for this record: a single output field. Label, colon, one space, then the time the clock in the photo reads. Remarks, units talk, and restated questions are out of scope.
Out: 7:22
